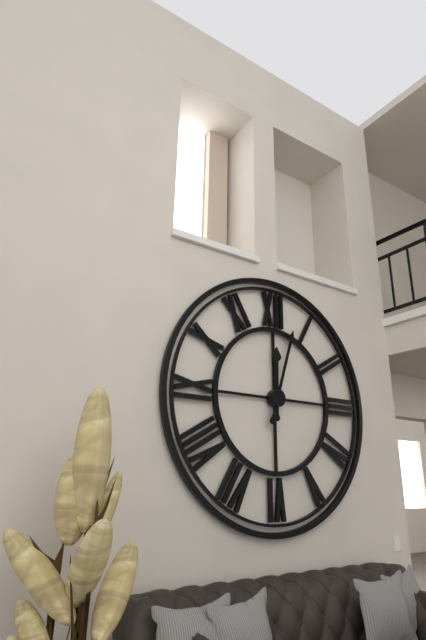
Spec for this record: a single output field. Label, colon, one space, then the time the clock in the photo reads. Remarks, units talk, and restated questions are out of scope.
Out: 12:03
